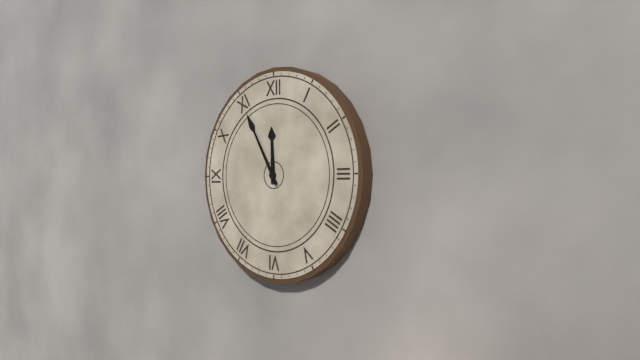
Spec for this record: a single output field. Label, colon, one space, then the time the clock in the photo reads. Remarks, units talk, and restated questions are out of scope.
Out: 11:55
